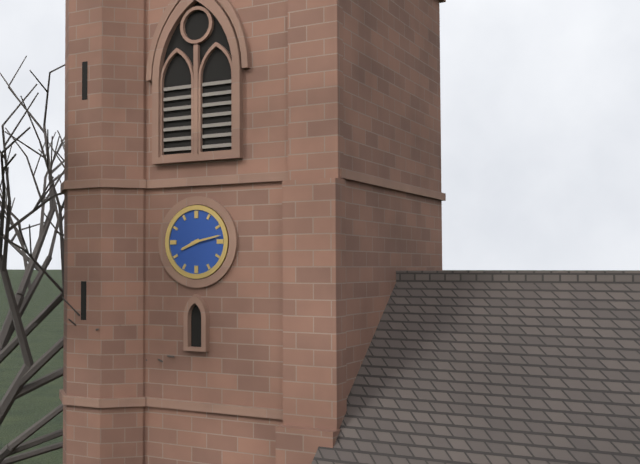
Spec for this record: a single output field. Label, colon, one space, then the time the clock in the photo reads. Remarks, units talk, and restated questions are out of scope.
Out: 8:13
